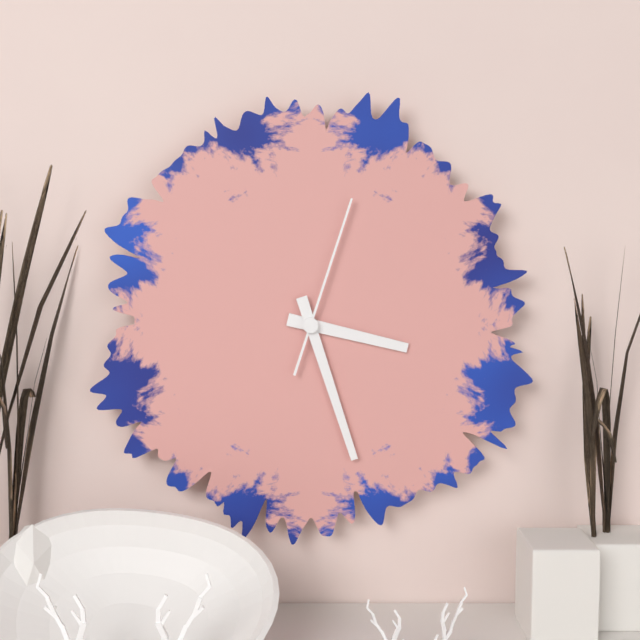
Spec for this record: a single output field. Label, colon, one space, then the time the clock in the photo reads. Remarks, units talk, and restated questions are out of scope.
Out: 3:27:03
